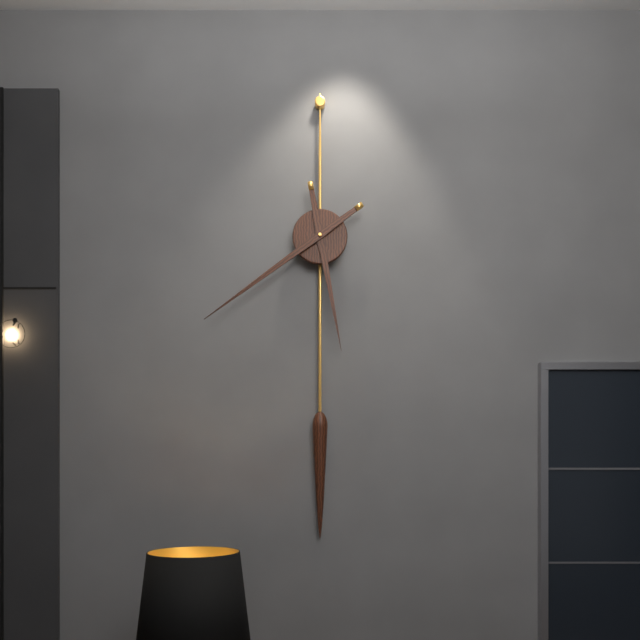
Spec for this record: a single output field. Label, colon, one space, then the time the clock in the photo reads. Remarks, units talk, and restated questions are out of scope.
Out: 5:39
